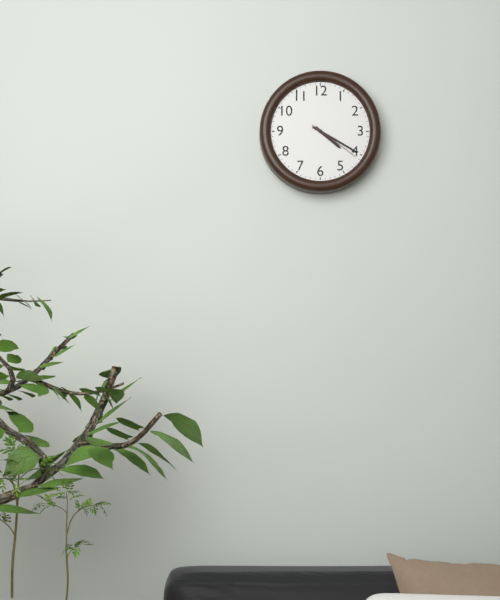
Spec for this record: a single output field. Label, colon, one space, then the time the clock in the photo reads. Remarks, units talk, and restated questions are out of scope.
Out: 4:20:21
